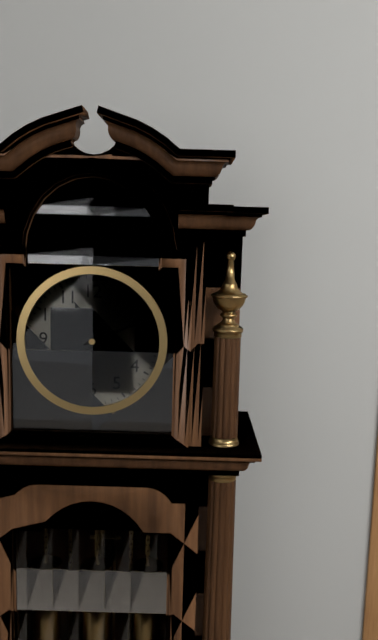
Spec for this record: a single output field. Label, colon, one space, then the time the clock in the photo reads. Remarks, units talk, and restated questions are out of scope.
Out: 11:11
